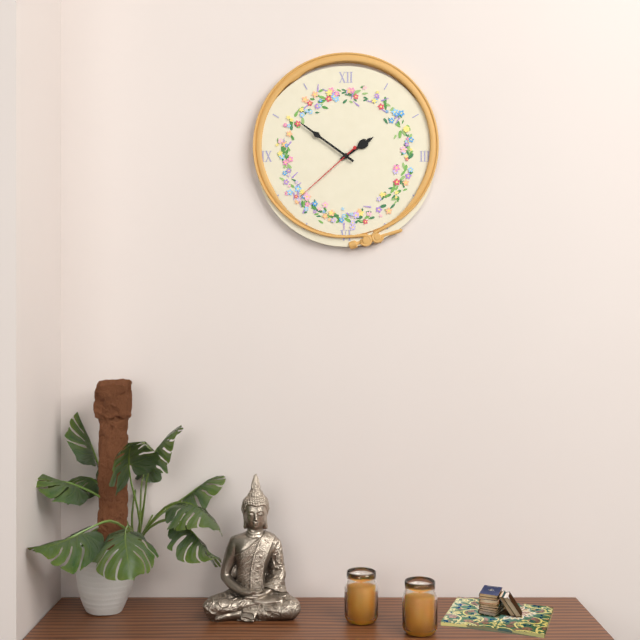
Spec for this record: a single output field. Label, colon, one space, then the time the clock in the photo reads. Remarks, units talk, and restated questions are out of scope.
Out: 1:51:38
